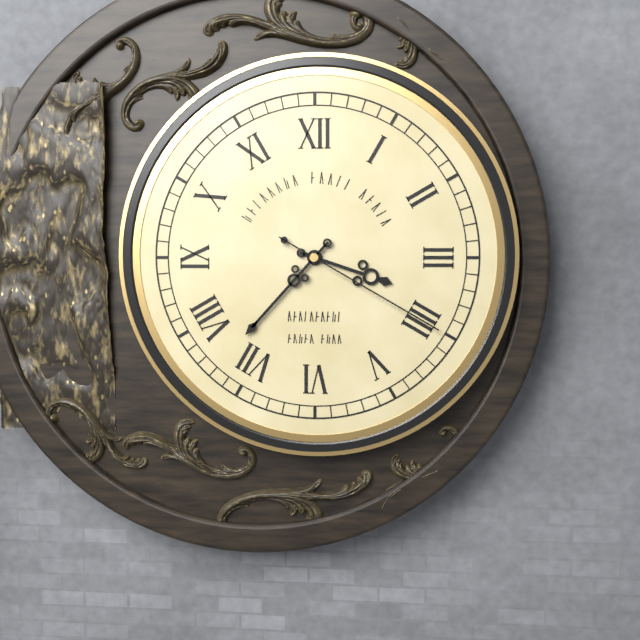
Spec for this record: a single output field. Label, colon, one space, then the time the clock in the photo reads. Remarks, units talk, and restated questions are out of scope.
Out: 3:37:20
